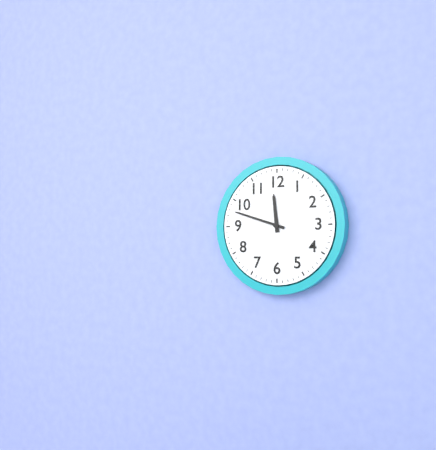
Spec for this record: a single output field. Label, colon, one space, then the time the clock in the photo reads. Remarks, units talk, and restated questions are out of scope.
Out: 11:48
